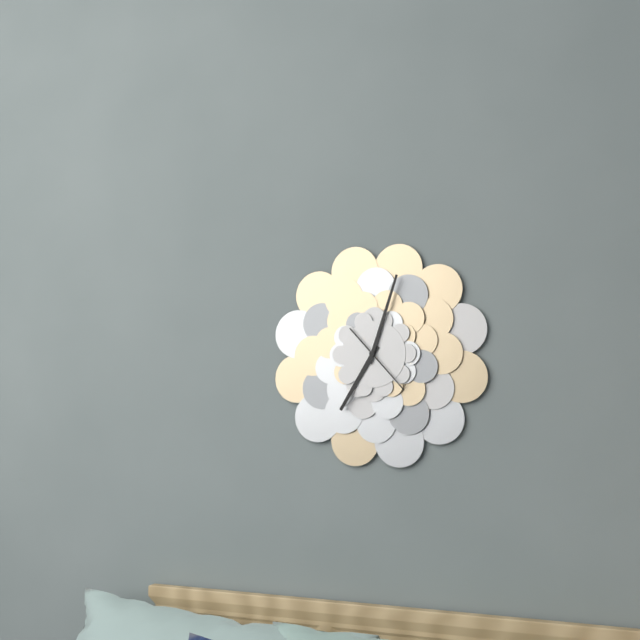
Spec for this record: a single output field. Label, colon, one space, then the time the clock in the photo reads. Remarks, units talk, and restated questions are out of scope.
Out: 7:03:23
